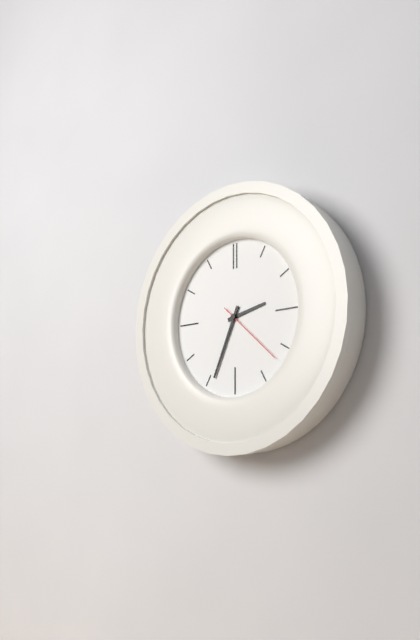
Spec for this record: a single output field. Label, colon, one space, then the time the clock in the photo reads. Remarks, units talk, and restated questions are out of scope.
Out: 2:34:22
